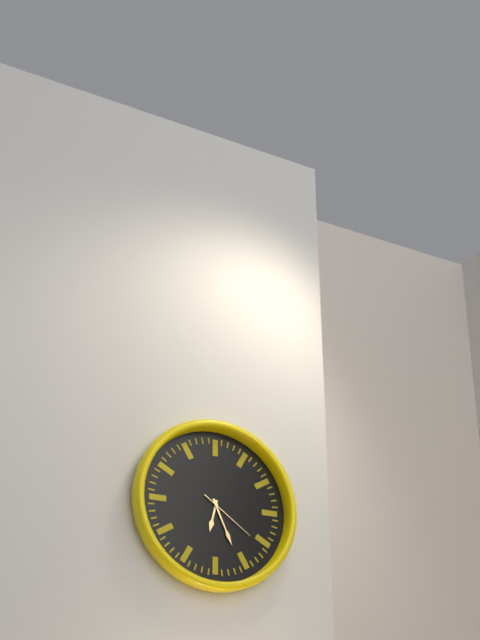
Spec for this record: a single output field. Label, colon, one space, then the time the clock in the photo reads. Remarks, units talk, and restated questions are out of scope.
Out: 6:26:21
